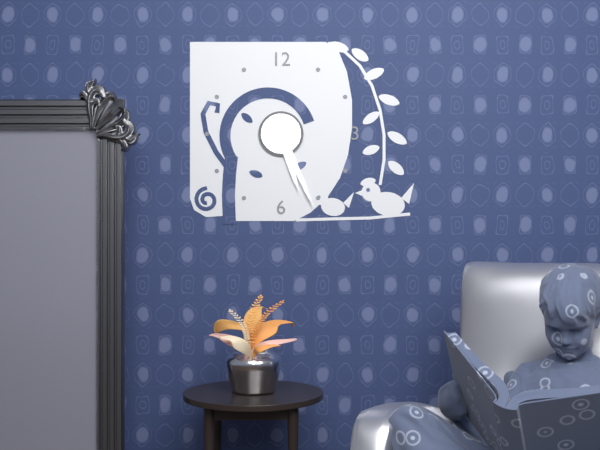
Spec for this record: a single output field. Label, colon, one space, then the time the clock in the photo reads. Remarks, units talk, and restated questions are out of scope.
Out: 5:26
